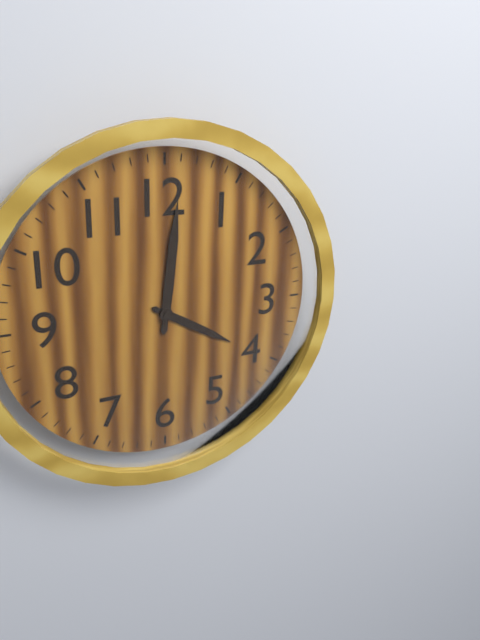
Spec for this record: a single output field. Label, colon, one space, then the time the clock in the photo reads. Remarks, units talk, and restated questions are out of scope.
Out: 4:01
